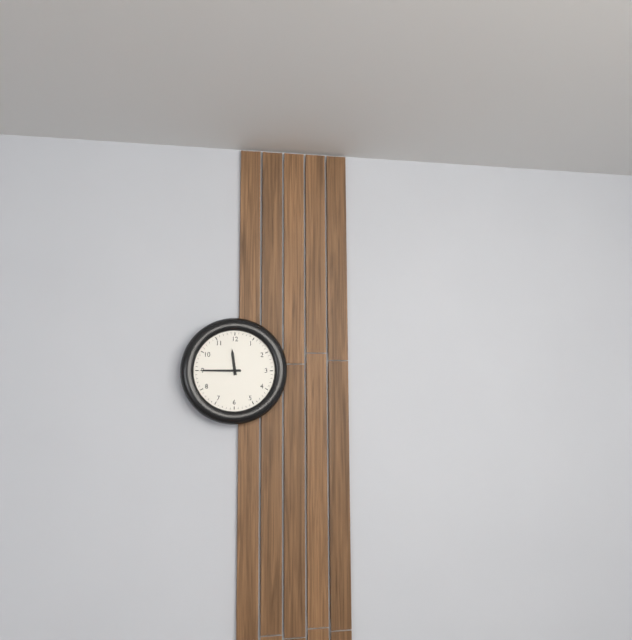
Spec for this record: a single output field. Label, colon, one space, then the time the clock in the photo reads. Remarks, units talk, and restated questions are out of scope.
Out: 11:45
